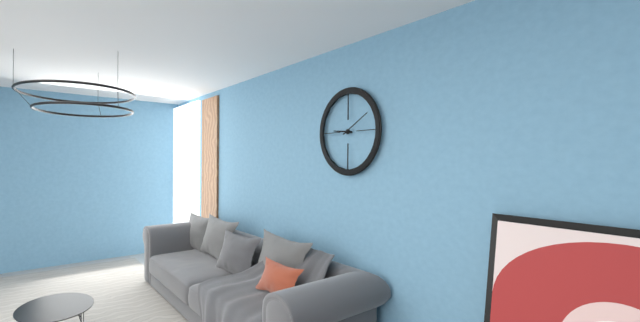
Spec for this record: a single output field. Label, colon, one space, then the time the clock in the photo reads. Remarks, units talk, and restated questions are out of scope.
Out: 9:10
